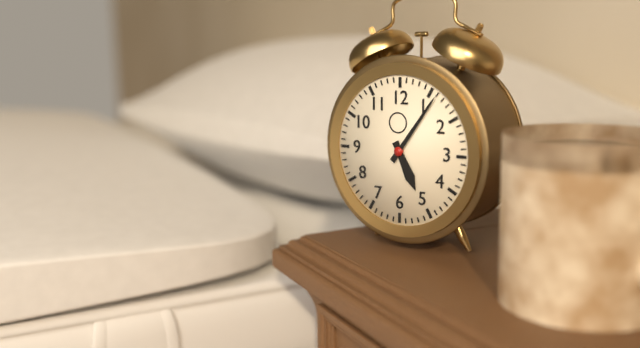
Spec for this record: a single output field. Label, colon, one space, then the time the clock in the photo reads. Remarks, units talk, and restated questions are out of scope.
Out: 5:06
